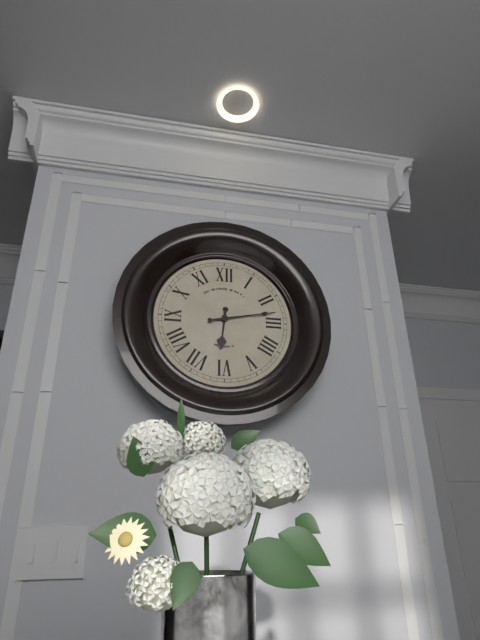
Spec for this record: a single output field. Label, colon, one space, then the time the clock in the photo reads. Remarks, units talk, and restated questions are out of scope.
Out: 6:13
